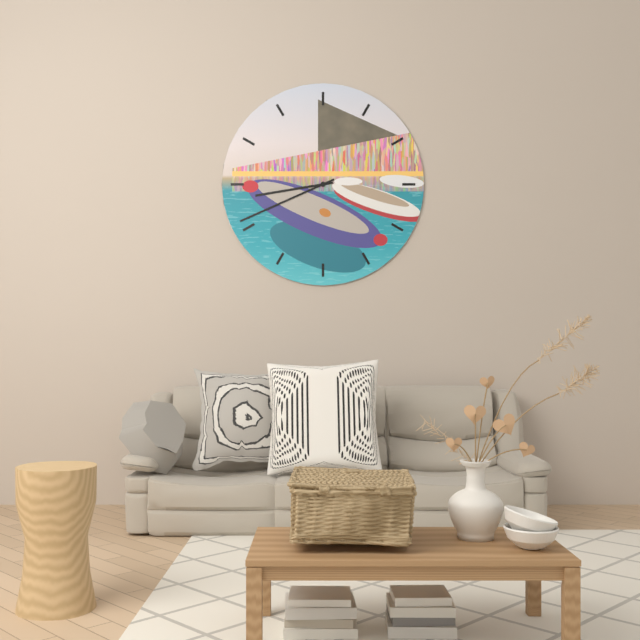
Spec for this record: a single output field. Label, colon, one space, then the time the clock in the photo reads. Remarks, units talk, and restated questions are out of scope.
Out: 8:41
